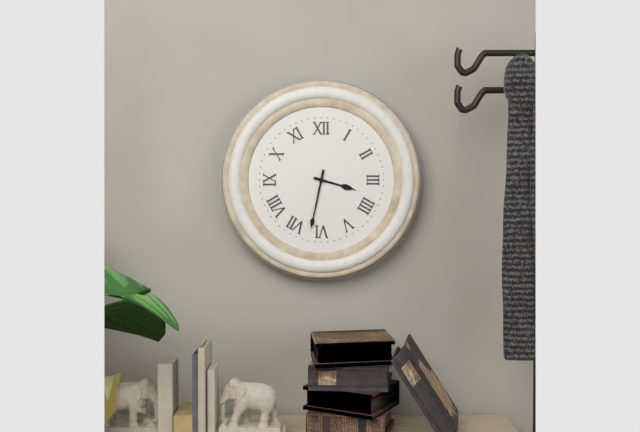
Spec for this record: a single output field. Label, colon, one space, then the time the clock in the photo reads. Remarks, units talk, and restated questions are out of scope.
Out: 3:32
